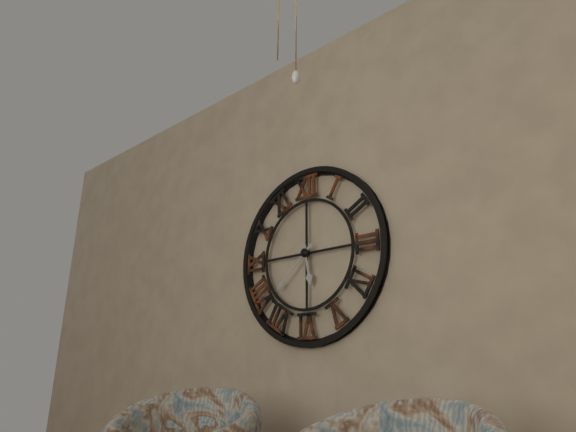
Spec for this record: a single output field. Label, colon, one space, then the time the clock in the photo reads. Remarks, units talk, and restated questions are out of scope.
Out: 5:38
